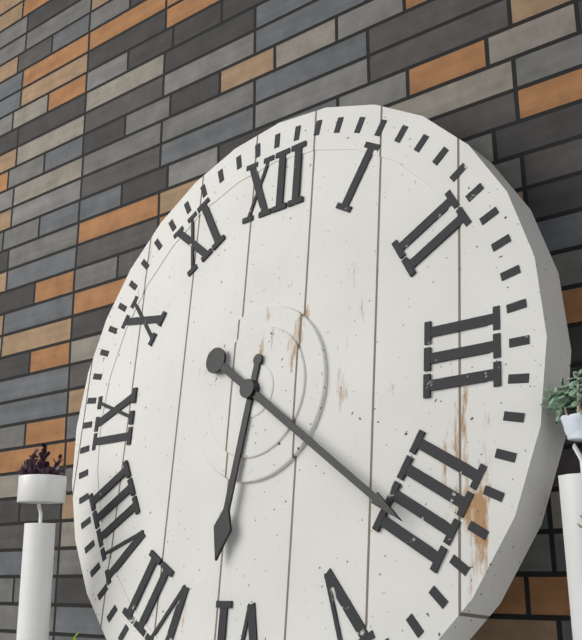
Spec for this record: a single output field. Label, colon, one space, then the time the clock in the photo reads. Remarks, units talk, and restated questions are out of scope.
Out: 6:21
